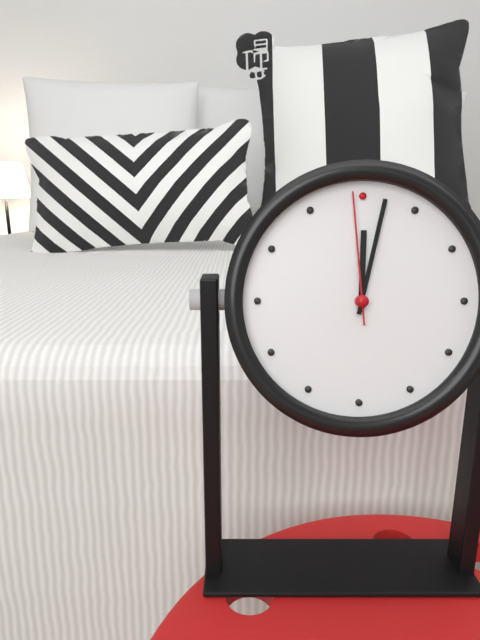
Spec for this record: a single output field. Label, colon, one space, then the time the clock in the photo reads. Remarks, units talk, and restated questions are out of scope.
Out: 12:02:59
